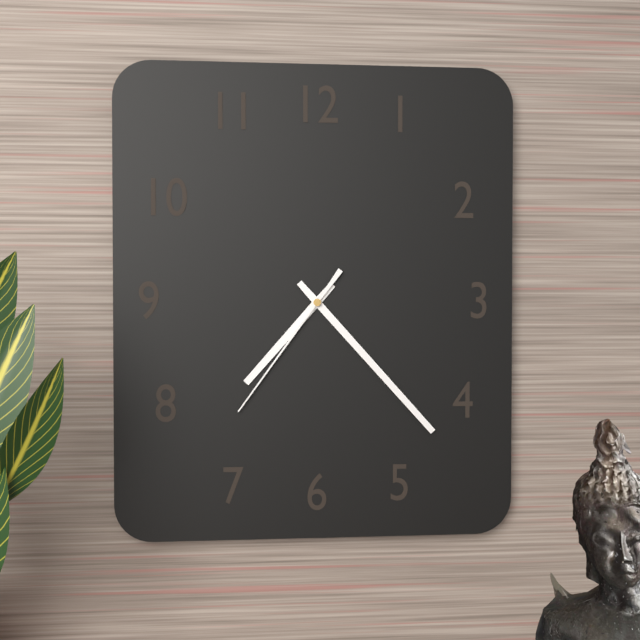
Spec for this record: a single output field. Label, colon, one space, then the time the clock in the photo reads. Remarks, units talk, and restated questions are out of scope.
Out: 7:23:36
